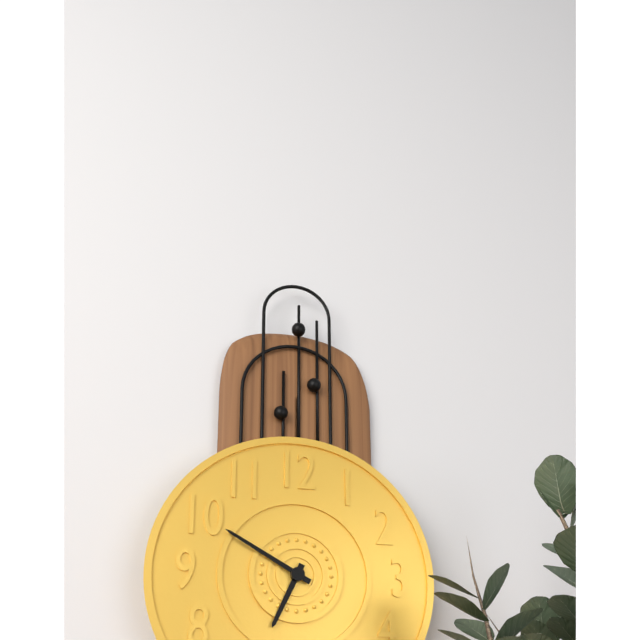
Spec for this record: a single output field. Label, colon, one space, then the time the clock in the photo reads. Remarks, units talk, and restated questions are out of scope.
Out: 6:50
